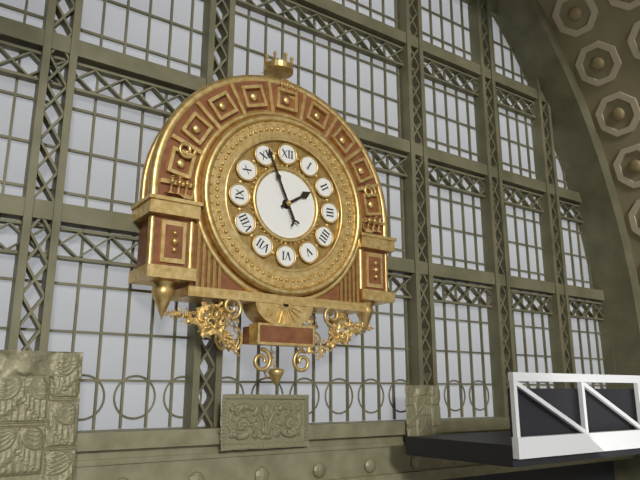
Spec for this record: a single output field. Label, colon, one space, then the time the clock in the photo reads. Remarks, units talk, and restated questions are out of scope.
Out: 1:56
